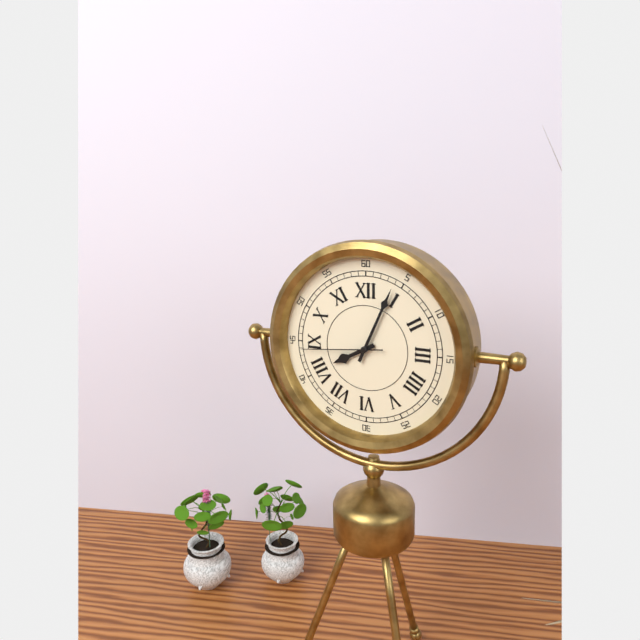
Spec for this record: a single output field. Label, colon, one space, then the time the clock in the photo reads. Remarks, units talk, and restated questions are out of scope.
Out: 8:04:44
